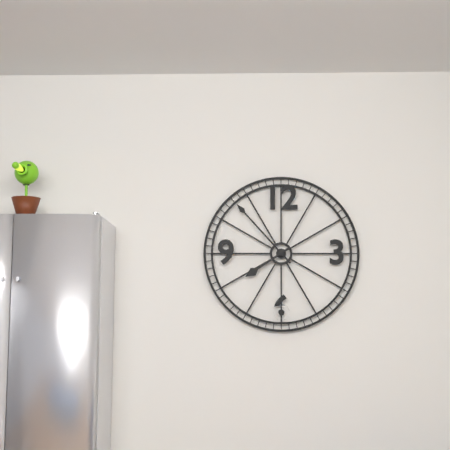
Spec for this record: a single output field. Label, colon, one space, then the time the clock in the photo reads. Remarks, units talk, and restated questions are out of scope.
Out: 7:53
